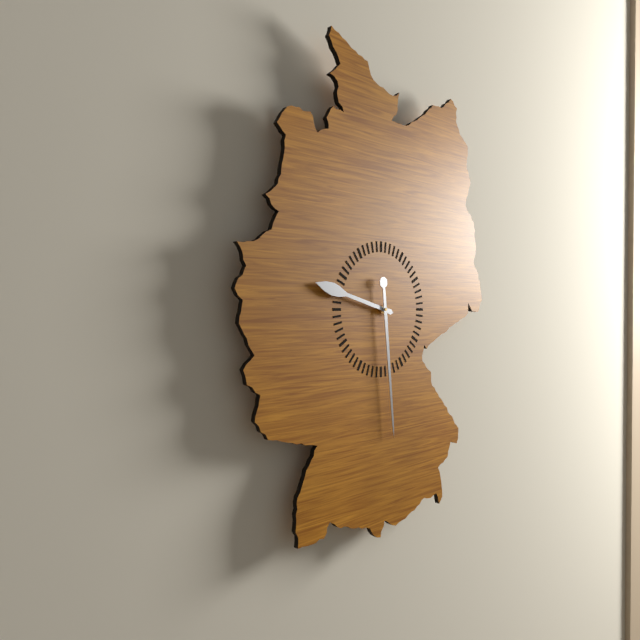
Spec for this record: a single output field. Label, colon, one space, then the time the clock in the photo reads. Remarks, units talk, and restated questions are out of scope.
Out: 9:29
